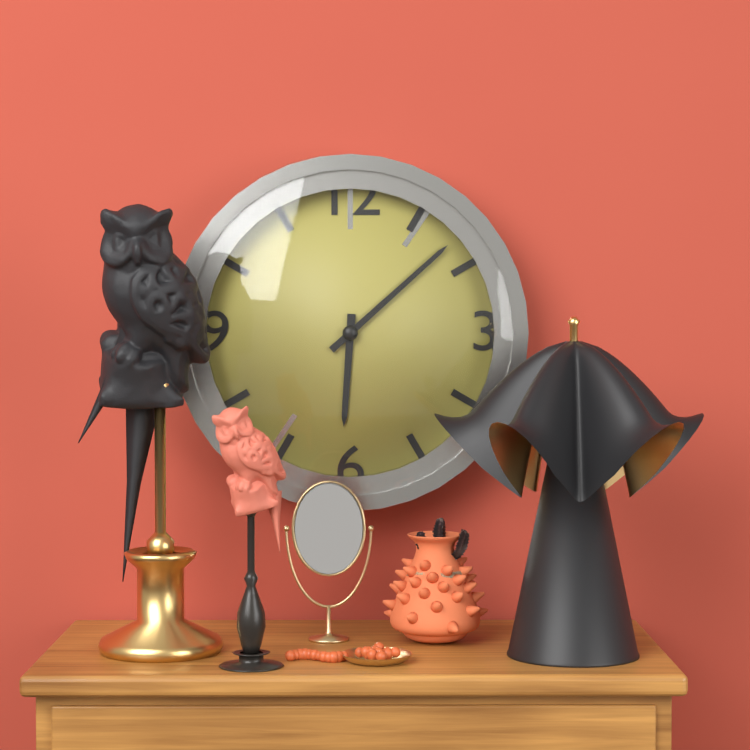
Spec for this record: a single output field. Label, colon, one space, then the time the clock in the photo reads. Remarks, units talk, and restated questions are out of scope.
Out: 6:08
